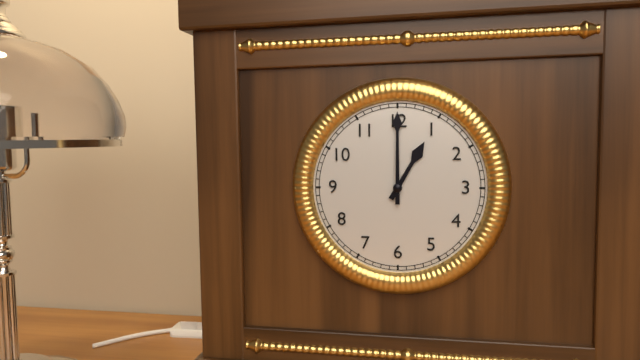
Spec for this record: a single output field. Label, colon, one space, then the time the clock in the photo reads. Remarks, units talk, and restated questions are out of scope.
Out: 1:00
